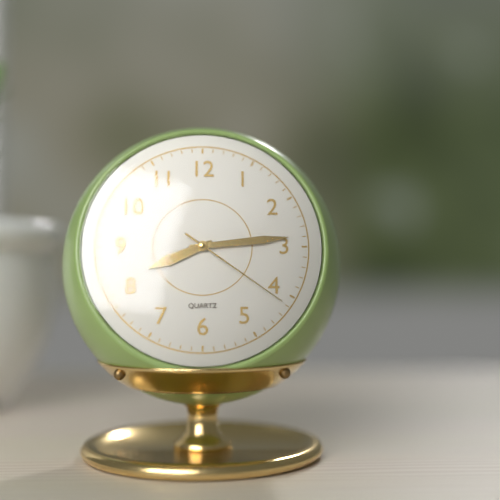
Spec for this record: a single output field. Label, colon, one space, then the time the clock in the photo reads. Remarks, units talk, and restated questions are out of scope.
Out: 8:14:21
